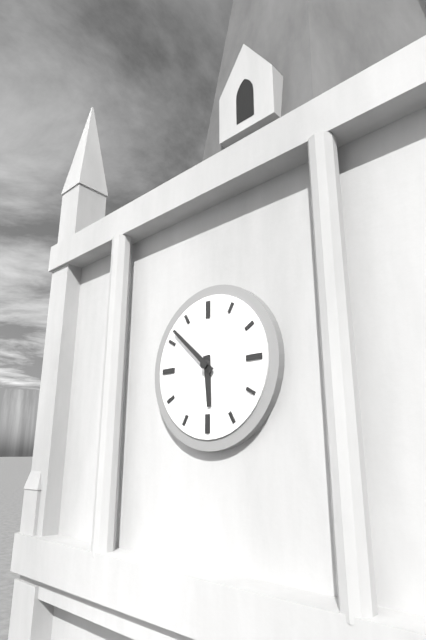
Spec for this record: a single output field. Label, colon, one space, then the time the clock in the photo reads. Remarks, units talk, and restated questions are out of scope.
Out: 5:52
